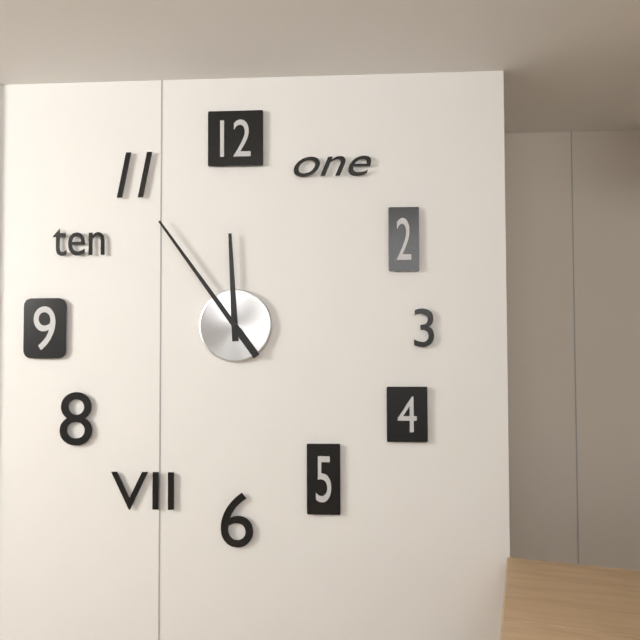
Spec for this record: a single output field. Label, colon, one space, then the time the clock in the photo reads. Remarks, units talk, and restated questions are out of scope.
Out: 11:54
